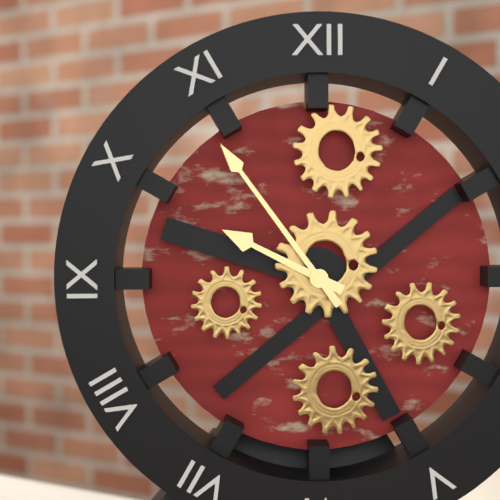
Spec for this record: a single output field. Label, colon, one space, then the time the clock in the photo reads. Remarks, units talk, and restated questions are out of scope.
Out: 9:54
